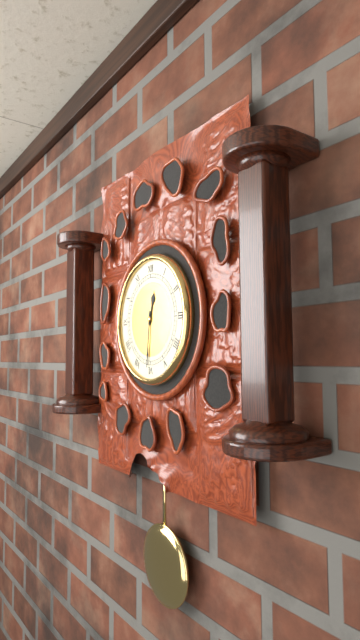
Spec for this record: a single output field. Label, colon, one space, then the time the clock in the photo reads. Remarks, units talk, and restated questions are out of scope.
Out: 12:31
